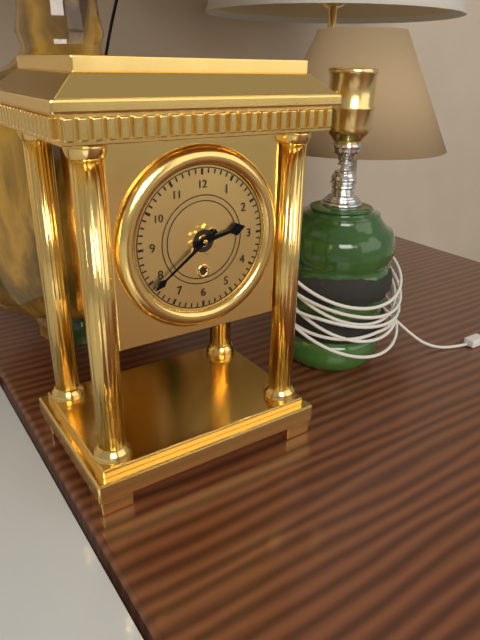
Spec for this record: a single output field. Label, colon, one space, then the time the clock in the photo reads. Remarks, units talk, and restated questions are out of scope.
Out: 2:39
